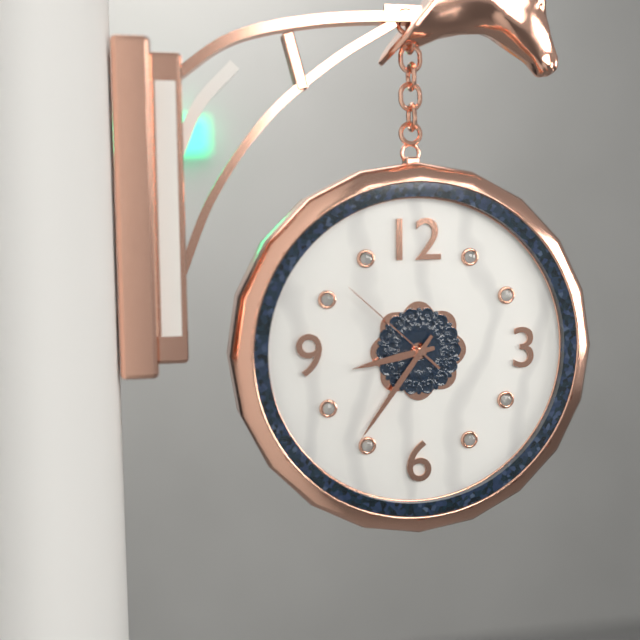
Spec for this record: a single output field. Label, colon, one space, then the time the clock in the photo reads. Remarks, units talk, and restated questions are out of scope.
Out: 8:36:52
